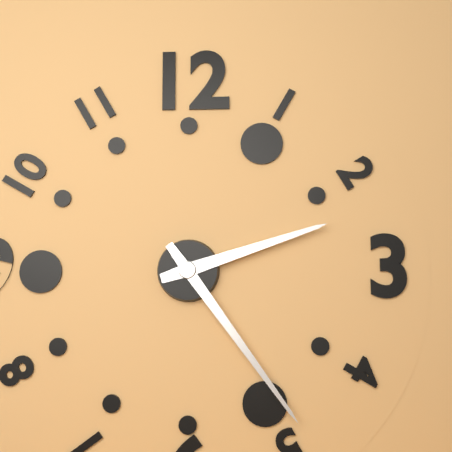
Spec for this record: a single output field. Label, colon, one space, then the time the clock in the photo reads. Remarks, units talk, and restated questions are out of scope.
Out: 2:24
